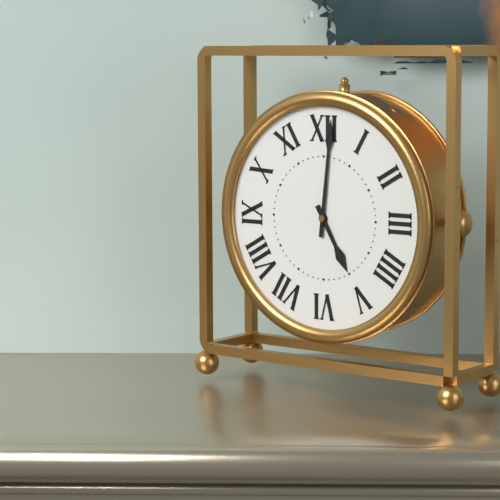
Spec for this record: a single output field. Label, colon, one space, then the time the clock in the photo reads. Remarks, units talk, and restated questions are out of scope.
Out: 5:01
